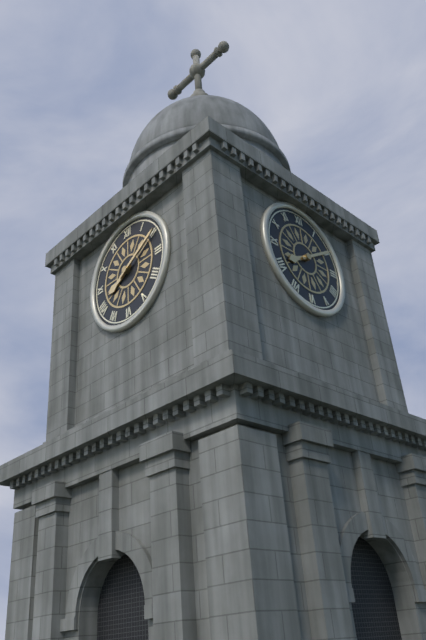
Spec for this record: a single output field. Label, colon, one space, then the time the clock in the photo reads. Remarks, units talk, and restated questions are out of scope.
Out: 8:10
